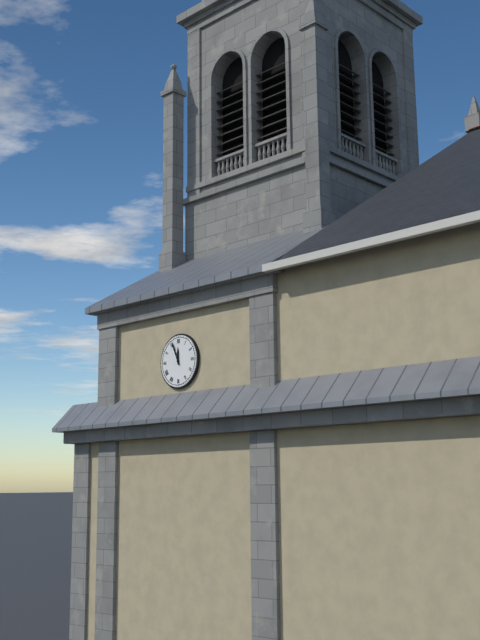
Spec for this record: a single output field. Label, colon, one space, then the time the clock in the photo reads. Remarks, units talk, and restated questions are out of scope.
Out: 11:56
